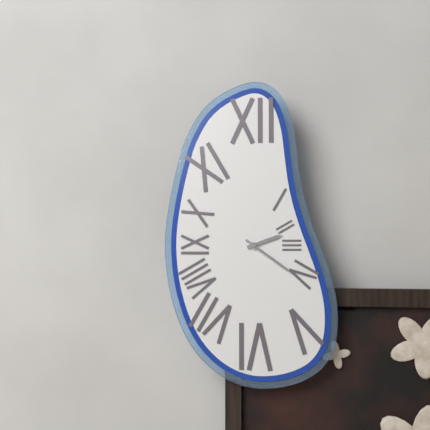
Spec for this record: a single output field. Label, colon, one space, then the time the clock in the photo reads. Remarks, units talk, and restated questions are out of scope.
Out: 2:21
